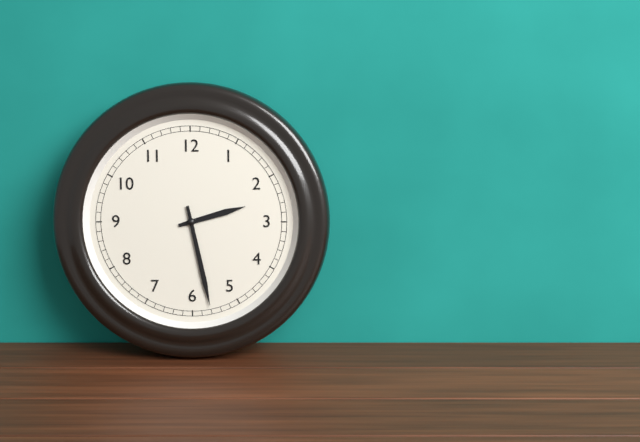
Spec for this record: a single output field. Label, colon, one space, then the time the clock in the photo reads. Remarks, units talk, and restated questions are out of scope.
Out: 2:28
